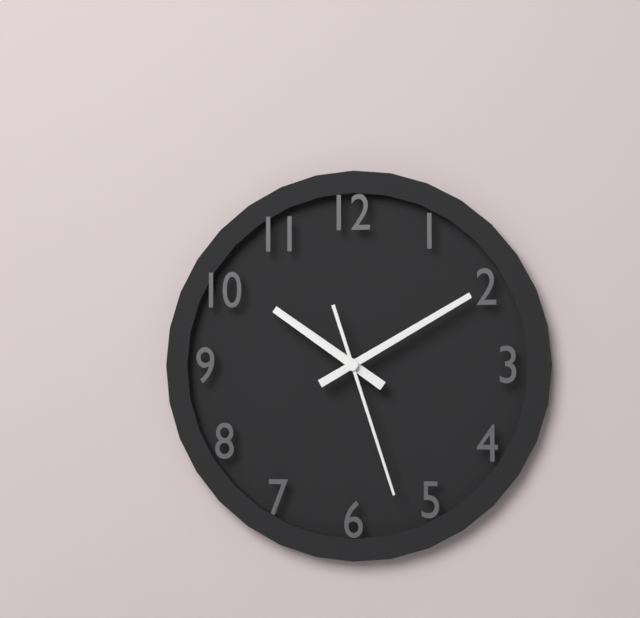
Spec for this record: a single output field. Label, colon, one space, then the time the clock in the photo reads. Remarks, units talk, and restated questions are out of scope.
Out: 10:10:27
